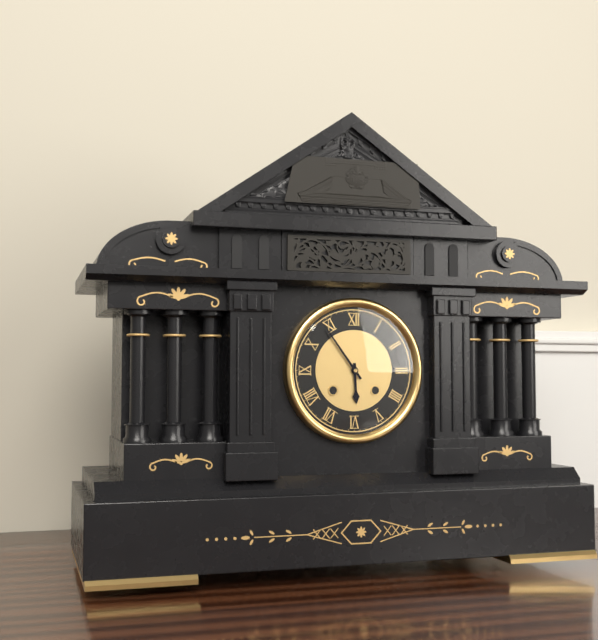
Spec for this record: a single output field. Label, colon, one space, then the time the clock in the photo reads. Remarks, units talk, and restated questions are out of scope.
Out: 5:54
